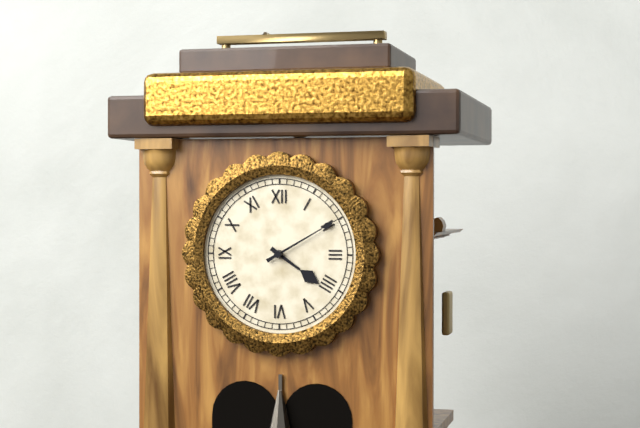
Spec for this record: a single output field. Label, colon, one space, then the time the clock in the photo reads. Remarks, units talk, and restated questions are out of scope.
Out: 4:10
